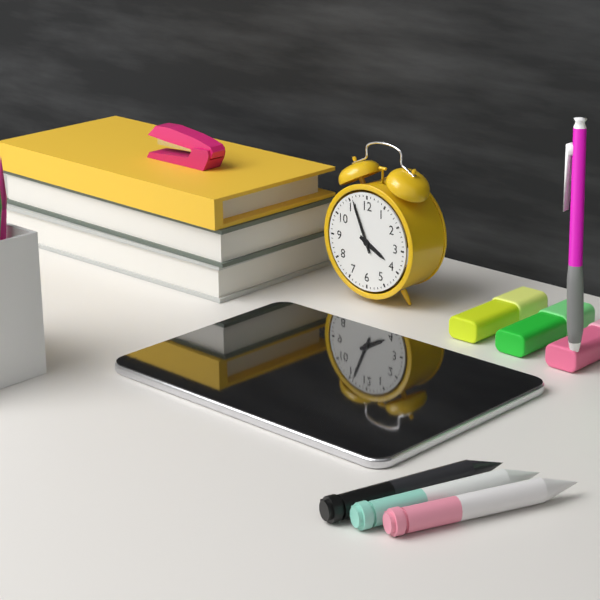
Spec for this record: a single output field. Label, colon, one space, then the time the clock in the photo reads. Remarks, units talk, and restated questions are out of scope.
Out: 3:56
